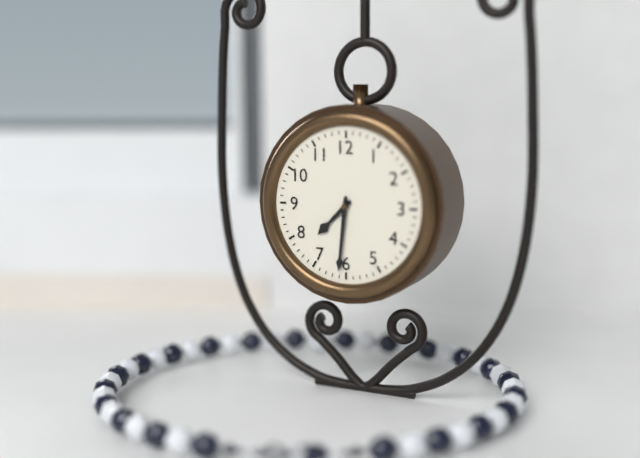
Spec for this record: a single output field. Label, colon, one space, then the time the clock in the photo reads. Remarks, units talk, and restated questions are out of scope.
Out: 7:31
